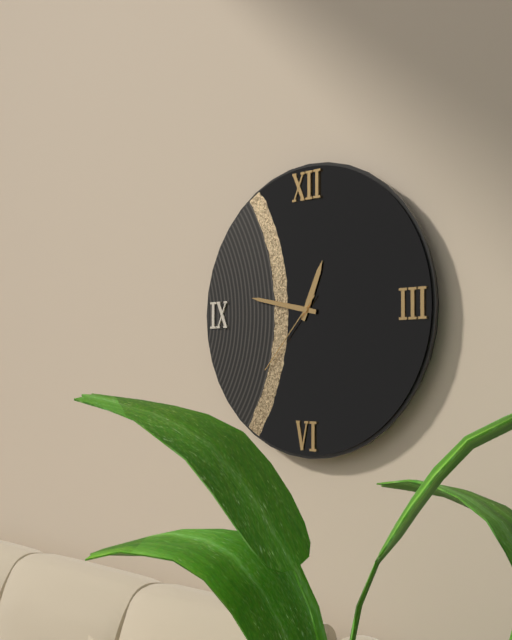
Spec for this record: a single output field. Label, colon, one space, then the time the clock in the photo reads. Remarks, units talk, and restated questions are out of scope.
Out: 12:47:37
